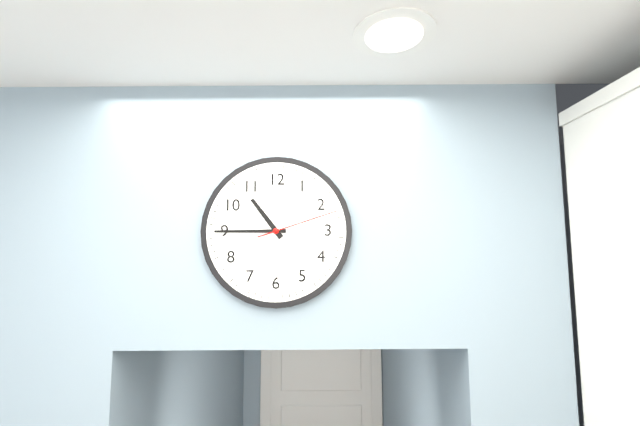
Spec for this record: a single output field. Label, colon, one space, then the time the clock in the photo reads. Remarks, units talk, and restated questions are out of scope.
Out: 10:45:12
